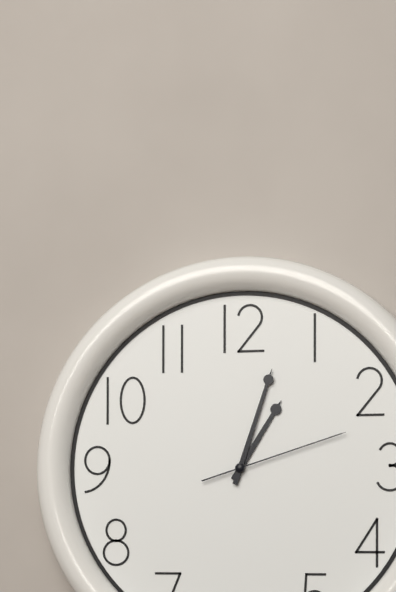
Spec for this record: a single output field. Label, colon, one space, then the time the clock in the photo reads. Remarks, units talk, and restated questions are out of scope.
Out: 1:03:12
